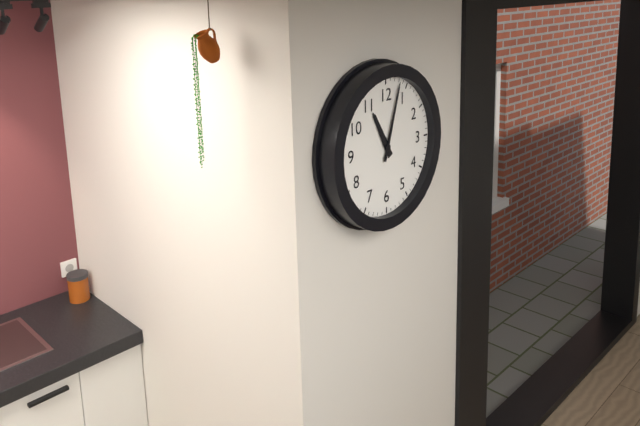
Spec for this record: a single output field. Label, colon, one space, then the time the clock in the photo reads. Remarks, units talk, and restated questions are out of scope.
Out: 11:03
